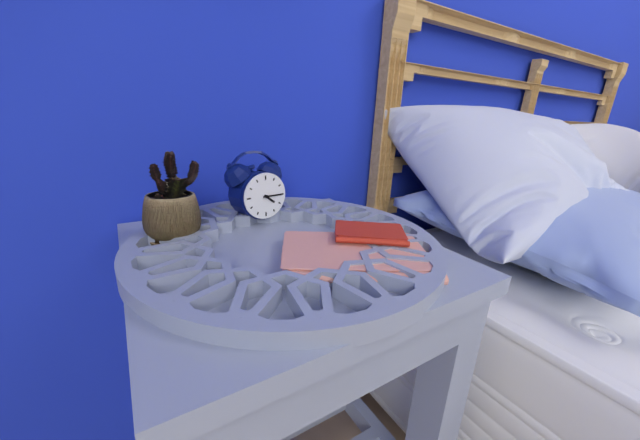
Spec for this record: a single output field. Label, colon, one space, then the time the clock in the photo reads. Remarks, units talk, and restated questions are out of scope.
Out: 4:15
